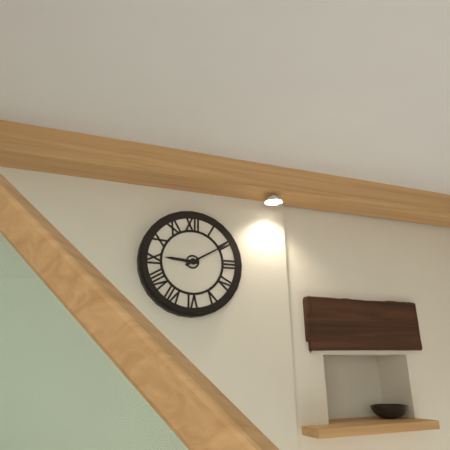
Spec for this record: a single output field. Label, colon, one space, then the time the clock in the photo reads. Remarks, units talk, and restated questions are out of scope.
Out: 9:10
